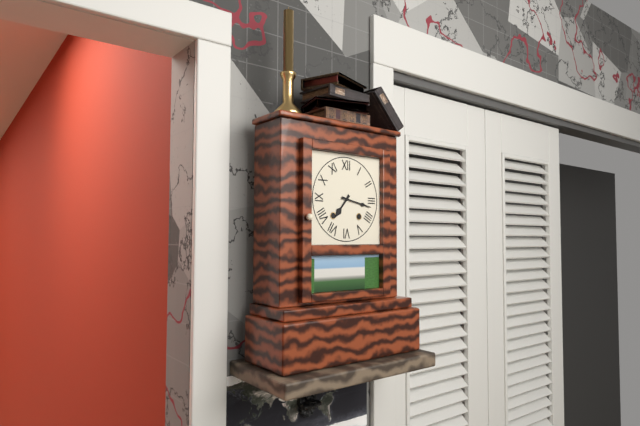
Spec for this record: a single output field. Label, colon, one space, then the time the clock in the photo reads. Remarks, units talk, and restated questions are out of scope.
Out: 7:17
